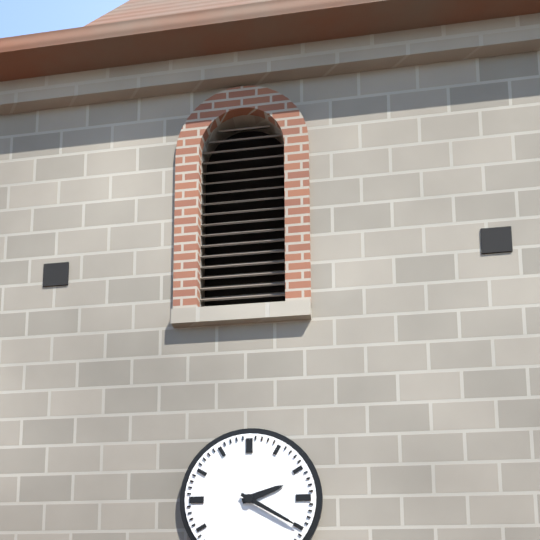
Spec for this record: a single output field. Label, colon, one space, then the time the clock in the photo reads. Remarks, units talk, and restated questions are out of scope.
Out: 2:20
